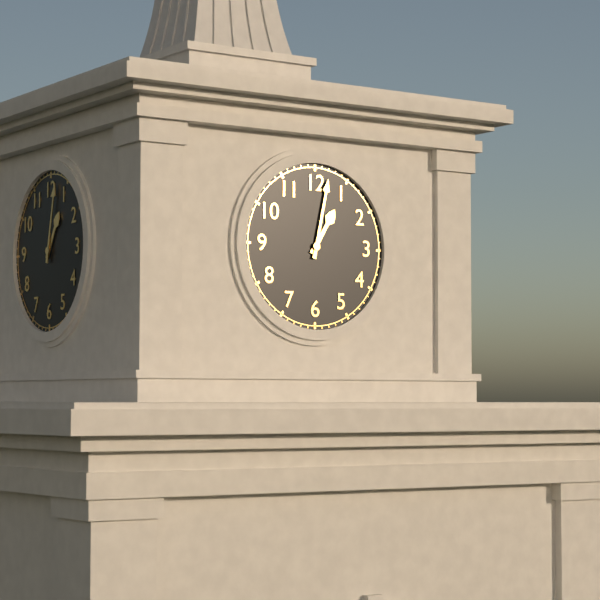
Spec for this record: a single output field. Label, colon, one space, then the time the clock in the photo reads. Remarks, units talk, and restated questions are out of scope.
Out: 1:02
